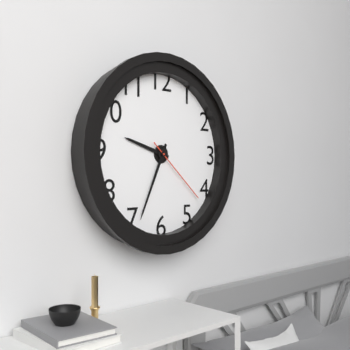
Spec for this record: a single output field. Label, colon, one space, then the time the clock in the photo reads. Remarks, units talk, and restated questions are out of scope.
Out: 9:34:22
